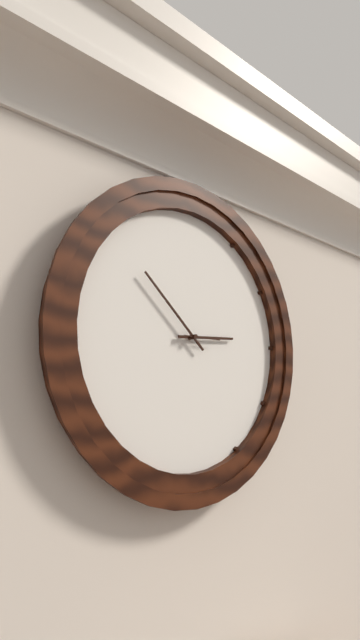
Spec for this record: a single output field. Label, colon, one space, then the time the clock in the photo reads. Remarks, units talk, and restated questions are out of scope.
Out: 2:52
